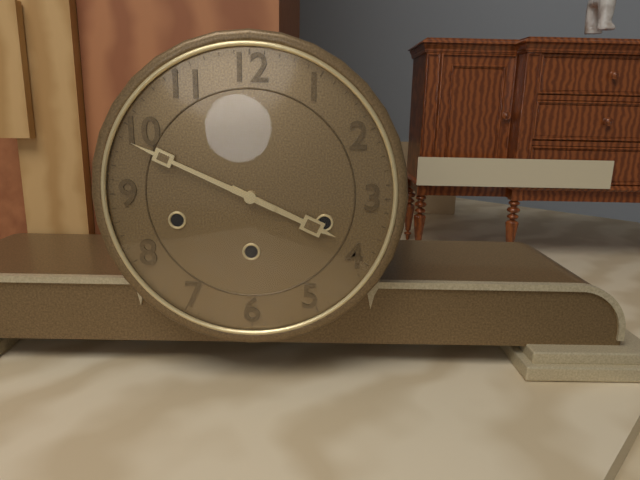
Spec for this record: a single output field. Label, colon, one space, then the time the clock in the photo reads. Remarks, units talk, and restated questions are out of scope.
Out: 3:49
